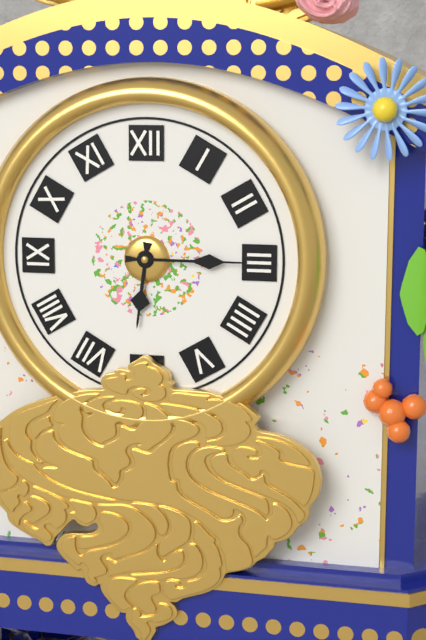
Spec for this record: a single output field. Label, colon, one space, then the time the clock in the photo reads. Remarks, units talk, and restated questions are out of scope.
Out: 6:15
